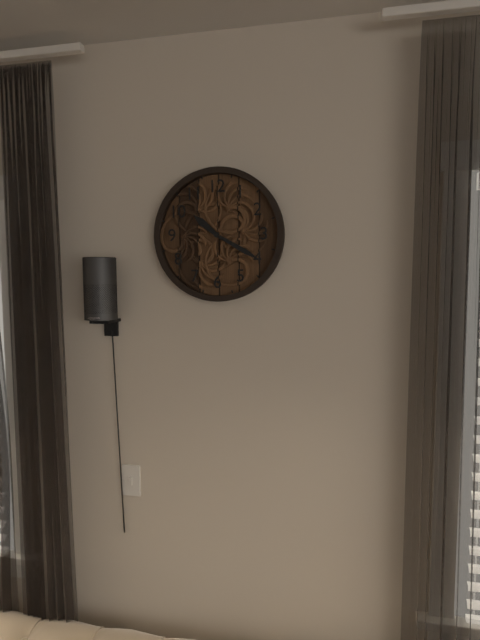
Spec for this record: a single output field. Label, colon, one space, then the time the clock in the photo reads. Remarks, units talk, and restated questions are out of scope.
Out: 10:20
